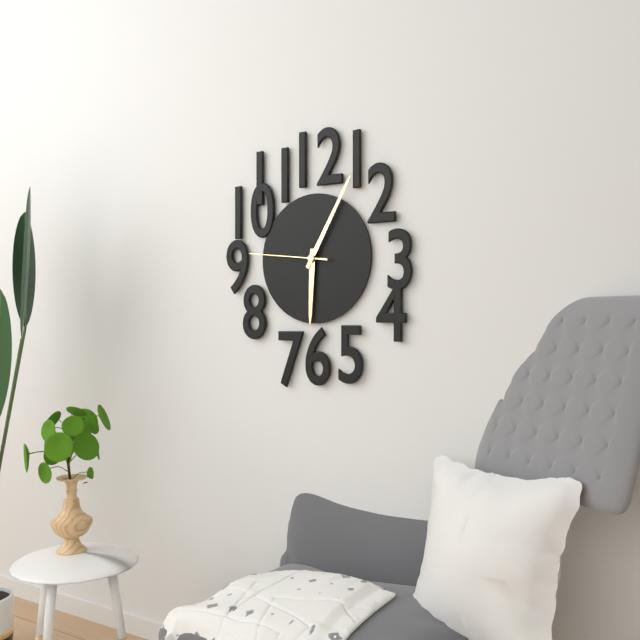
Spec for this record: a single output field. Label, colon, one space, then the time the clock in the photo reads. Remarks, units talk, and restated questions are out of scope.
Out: 6:05:46
